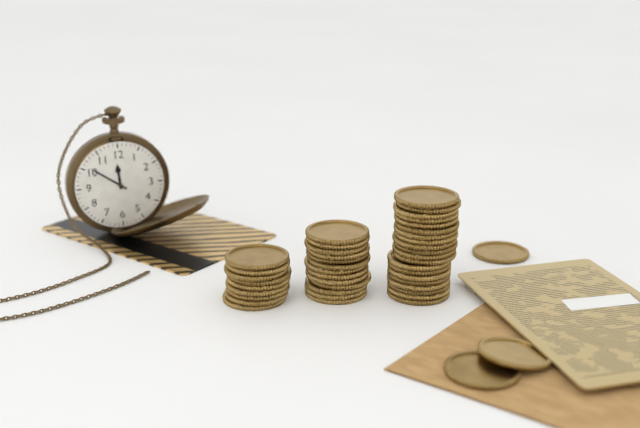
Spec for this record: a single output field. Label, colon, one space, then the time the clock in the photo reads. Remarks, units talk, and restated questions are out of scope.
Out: 11:51
